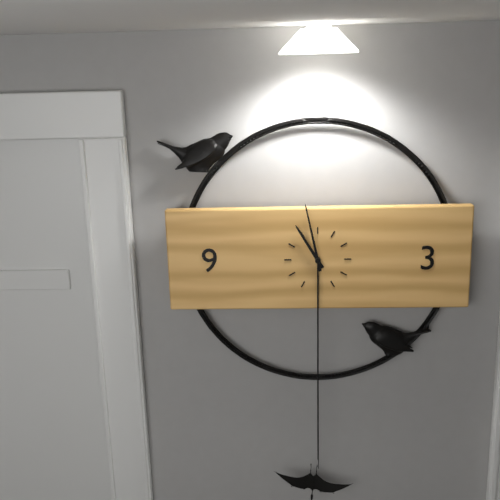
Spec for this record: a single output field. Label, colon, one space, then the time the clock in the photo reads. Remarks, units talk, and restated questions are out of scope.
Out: 10:58
